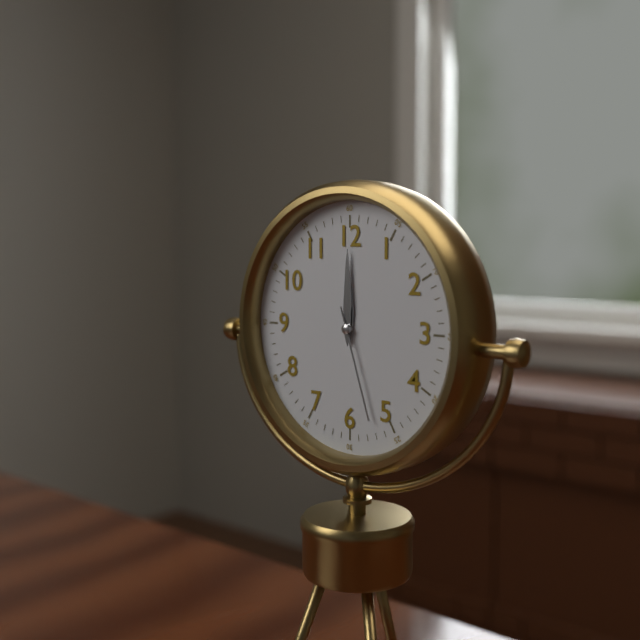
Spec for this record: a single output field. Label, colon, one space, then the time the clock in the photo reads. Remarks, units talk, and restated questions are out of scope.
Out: 12:00:27
